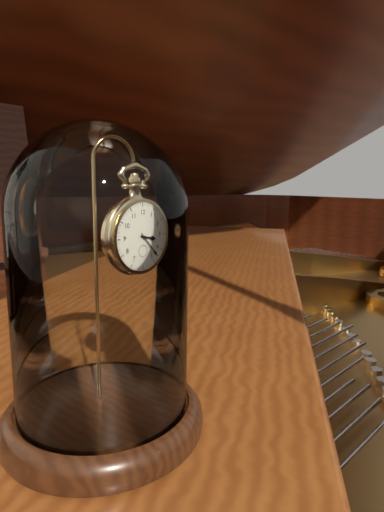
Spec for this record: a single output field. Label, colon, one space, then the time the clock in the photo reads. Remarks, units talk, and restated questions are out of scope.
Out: 3:23
